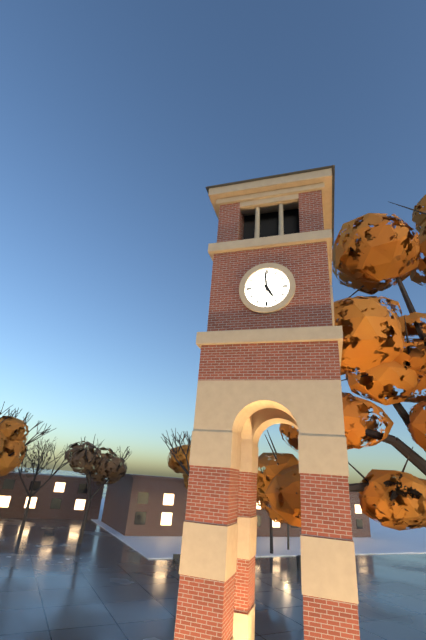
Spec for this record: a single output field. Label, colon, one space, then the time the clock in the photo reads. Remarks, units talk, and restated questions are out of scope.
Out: 4:59
